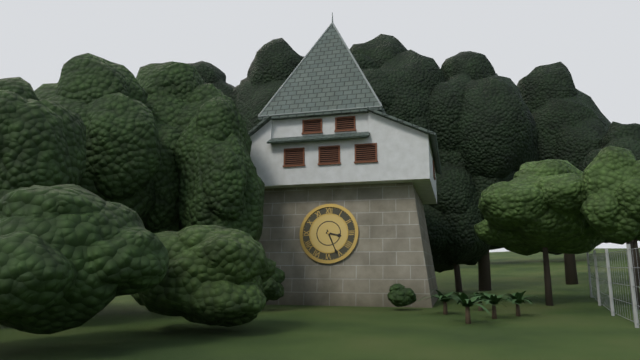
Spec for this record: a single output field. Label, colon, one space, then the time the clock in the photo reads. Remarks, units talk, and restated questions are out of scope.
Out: 3:26
